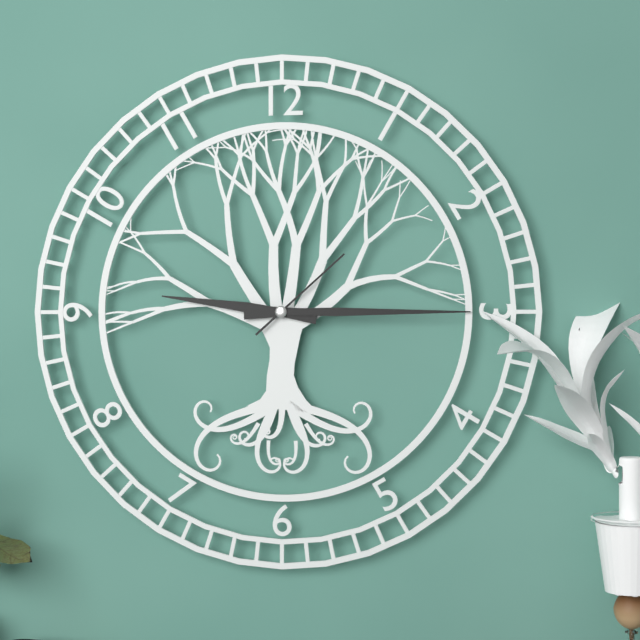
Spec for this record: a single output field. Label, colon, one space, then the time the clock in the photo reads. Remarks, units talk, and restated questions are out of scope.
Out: 9:15:08
